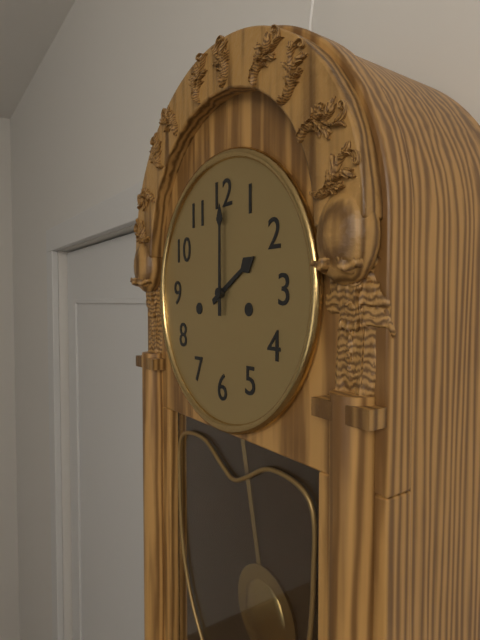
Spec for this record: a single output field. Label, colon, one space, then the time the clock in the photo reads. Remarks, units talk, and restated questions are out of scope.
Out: 2:00
